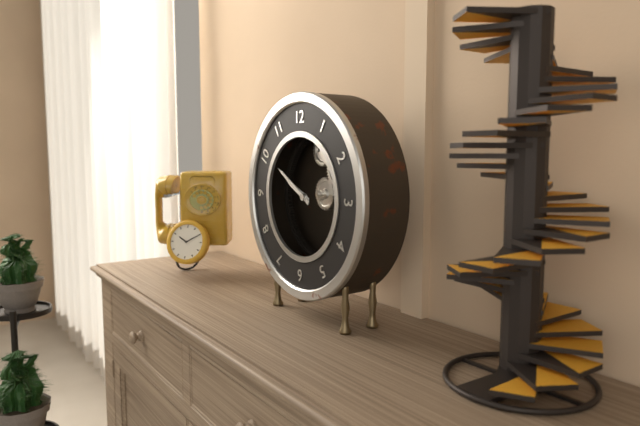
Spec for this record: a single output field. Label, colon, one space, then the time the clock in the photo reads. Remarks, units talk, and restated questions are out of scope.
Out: 9:50
